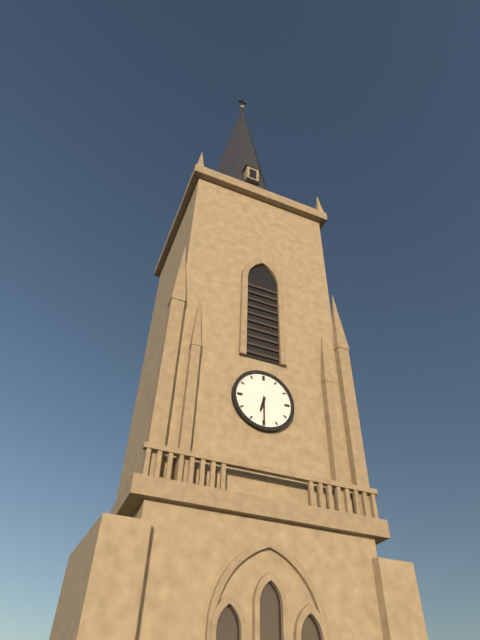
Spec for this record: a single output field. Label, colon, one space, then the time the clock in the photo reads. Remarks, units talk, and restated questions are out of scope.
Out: 6:30
